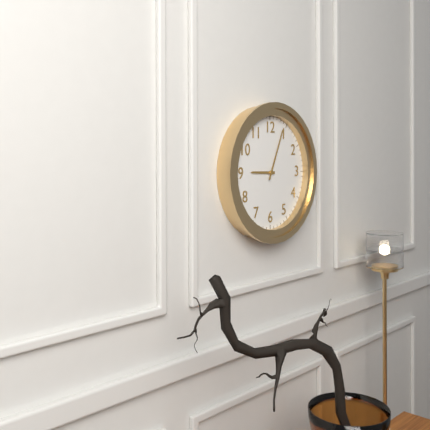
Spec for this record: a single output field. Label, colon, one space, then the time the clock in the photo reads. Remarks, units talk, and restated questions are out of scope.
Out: 9:04
